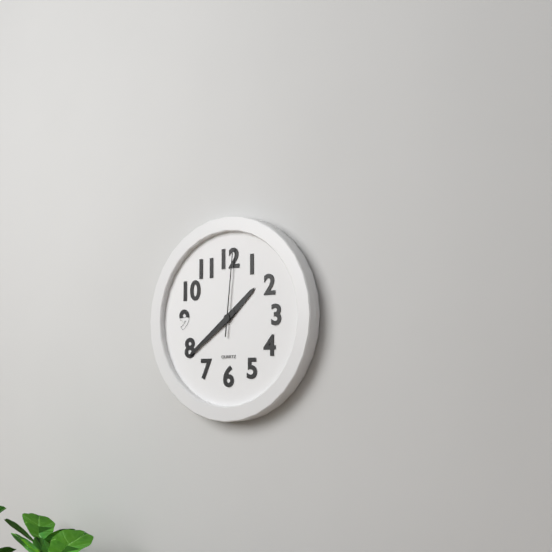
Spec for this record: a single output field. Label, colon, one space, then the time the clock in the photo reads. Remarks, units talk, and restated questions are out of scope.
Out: 1:39:01
